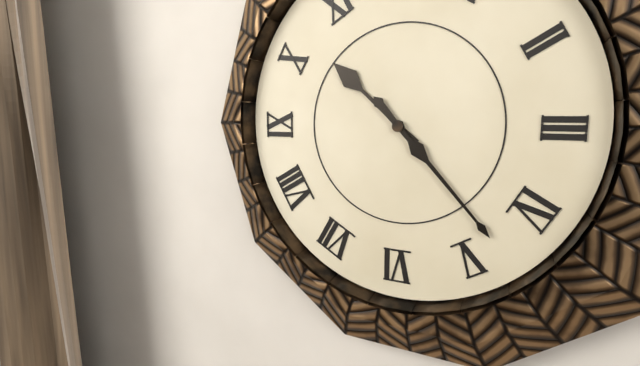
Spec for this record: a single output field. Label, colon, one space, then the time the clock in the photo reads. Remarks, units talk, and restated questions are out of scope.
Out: 10:23
